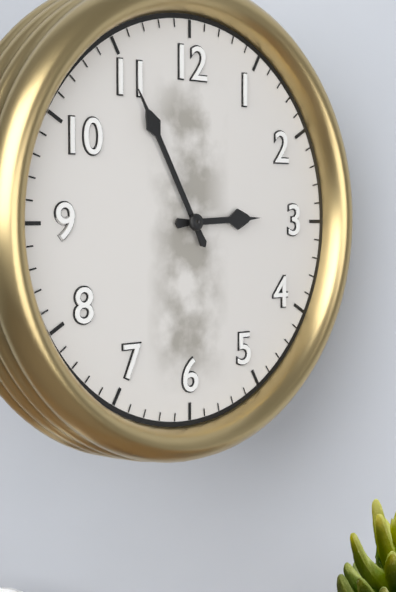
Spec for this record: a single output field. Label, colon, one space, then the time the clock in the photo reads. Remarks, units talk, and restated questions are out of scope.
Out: 2:55
